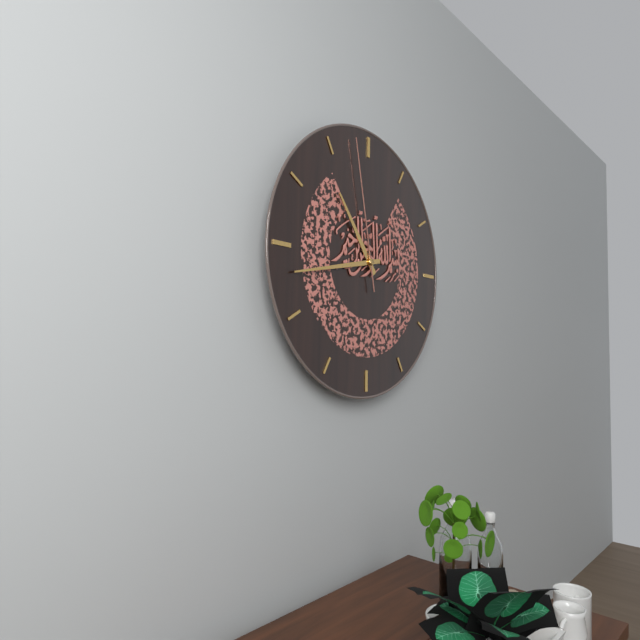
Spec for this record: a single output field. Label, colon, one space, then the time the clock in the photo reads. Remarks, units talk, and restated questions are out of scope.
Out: 10:43:58
